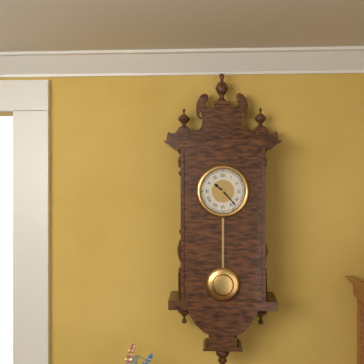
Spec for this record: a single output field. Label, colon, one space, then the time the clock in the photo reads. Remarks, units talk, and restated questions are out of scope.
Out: 10:23
